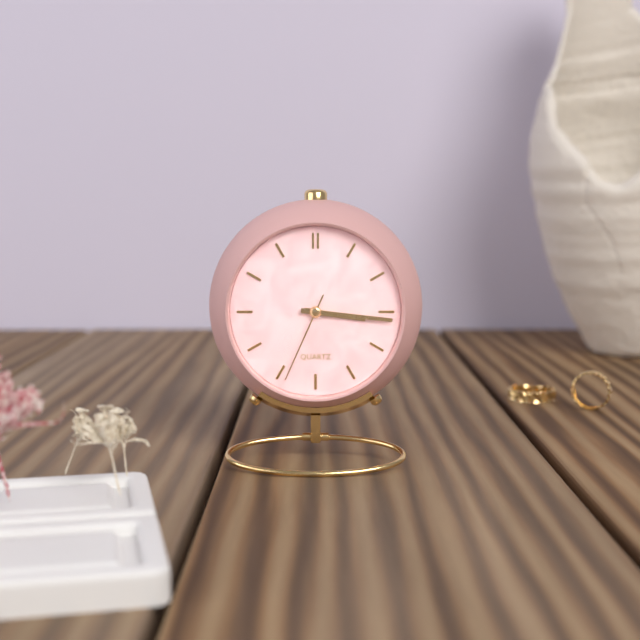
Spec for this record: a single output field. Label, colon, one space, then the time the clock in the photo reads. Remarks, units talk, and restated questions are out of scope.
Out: 3:16:34
